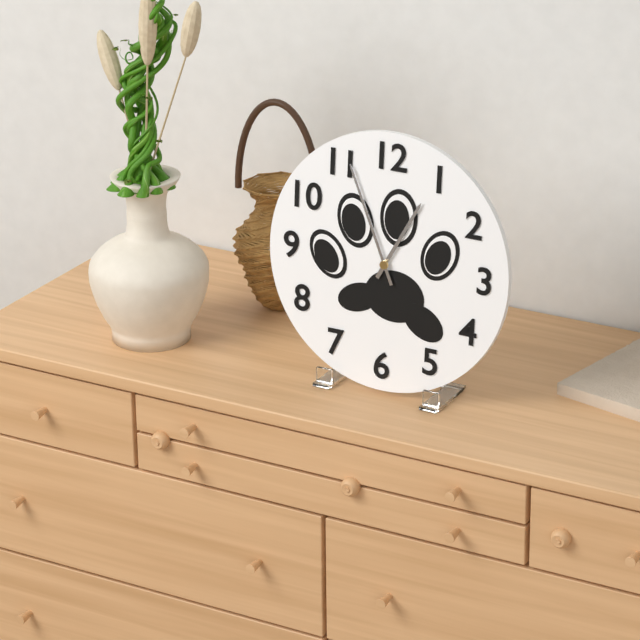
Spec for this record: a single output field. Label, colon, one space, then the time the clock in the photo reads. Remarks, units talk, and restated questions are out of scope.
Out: 12:56
